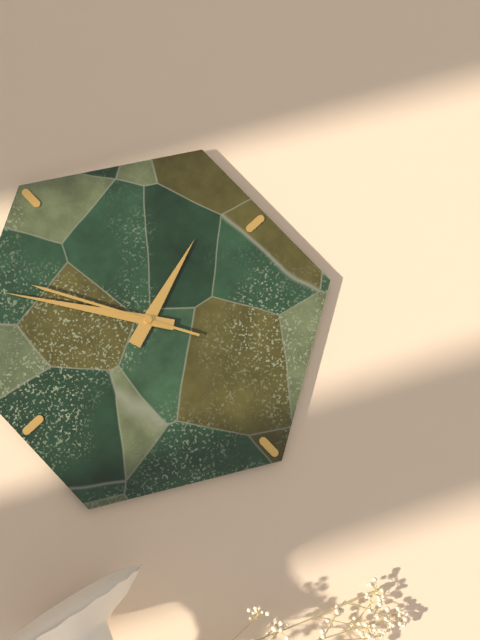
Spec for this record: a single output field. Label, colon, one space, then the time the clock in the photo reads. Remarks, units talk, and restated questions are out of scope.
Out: 8:24:25
